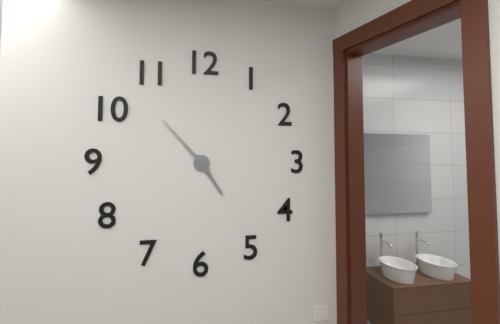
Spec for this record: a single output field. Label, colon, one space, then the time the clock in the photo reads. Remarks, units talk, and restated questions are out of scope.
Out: 4:53
